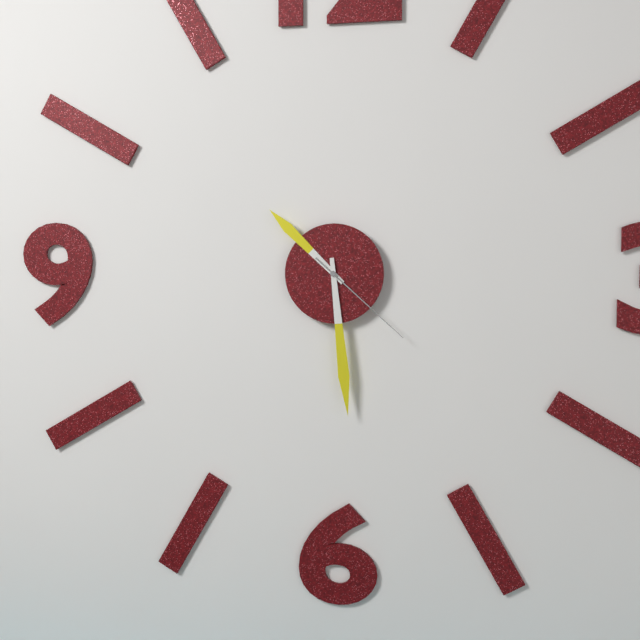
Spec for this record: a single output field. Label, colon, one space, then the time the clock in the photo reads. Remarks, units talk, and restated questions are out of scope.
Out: 10:29:22
